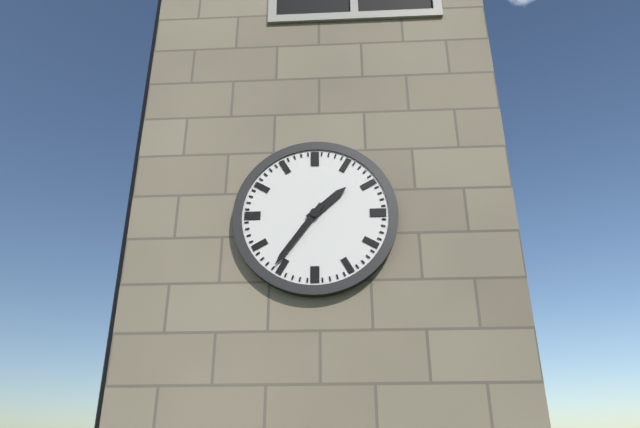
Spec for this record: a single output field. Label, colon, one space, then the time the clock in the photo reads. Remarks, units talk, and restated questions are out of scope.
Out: 1:36
